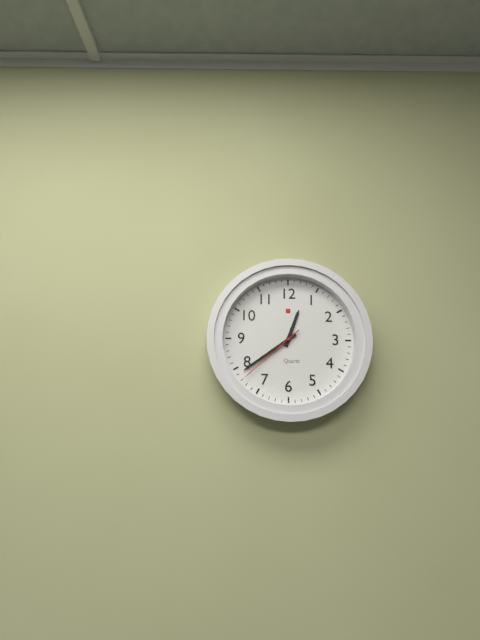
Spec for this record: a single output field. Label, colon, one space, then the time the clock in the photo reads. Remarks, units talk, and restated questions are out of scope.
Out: 12:39:38
